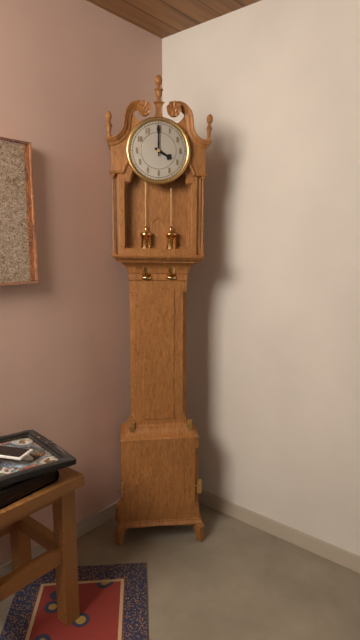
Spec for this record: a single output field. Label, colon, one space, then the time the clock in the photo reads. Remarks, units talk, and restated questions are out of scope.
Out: 4:00
